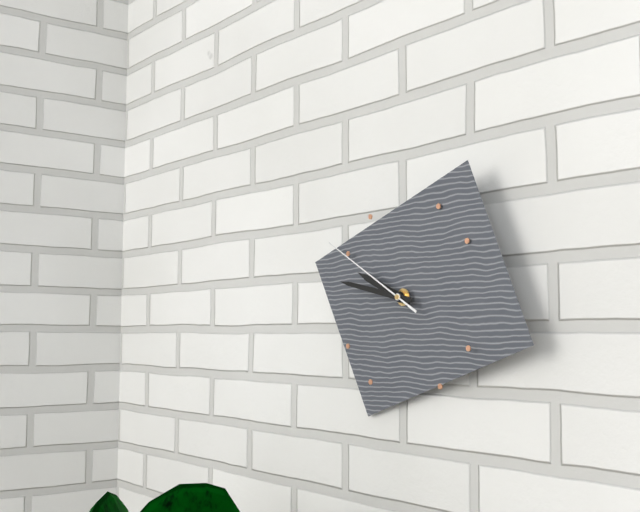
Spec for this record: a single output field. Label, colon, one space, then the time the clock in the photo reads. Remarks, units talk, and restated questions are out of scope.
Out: 9:47:50
